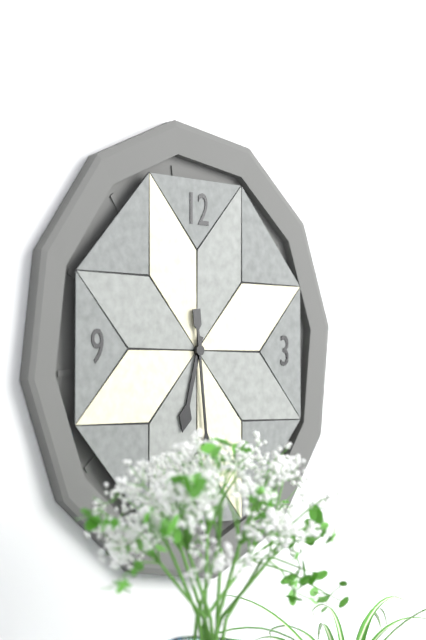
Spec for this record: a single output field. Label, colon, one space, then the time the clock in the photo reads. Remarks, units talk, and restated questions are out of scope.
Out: 6:29
